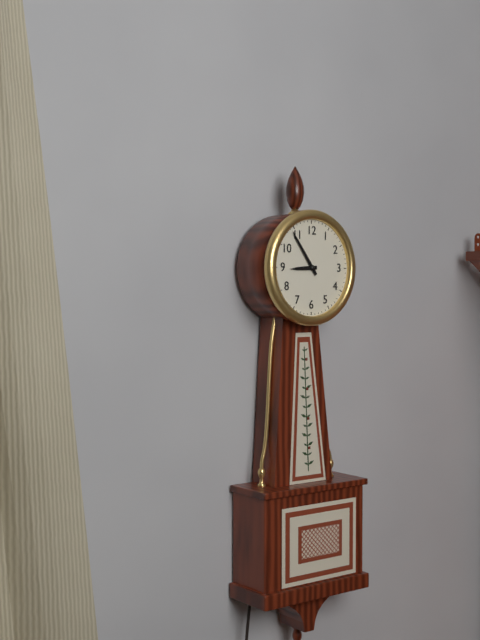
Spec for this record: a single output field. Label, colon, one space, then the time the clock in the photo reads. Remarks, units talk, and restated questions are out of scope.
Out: 8:54
